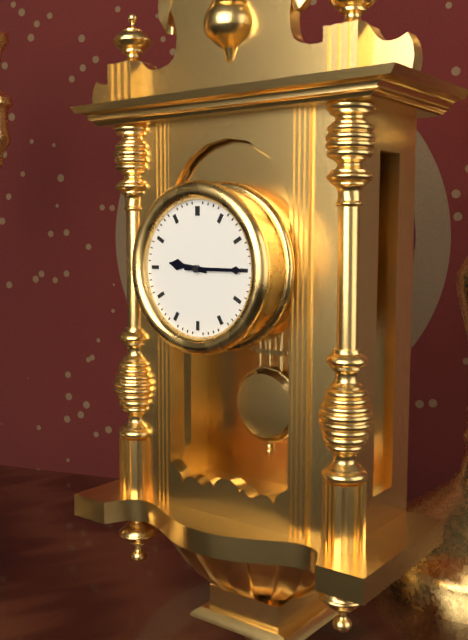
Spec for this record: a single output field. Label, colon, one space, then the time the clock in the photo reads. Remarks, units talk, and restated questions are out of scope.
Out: 9:15
